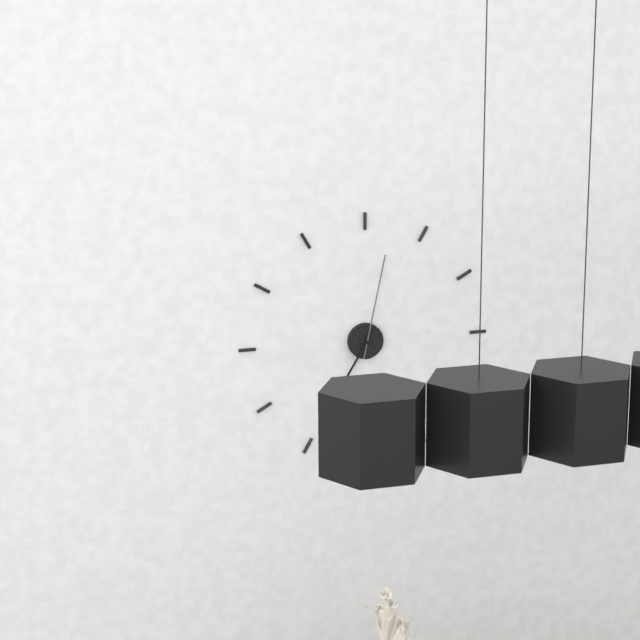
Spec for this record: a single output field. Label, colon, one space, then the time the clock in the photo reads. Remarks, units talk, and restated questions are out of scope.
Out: 7:02
